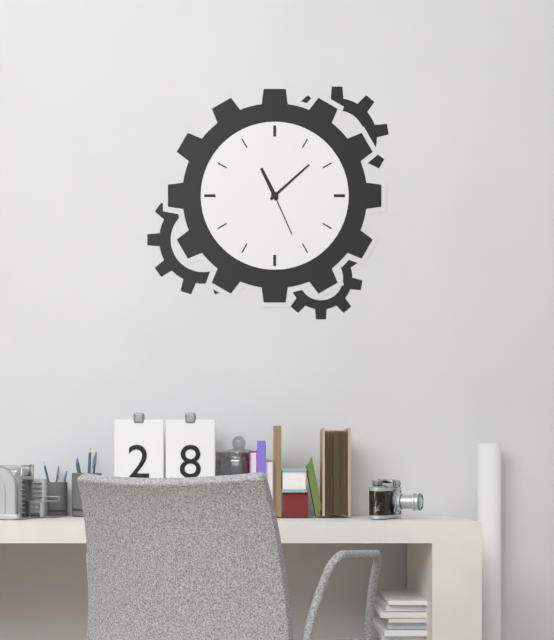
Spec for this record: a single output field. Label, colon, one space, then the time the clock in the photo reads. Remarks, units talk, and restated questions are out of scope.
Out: 11:08:26
